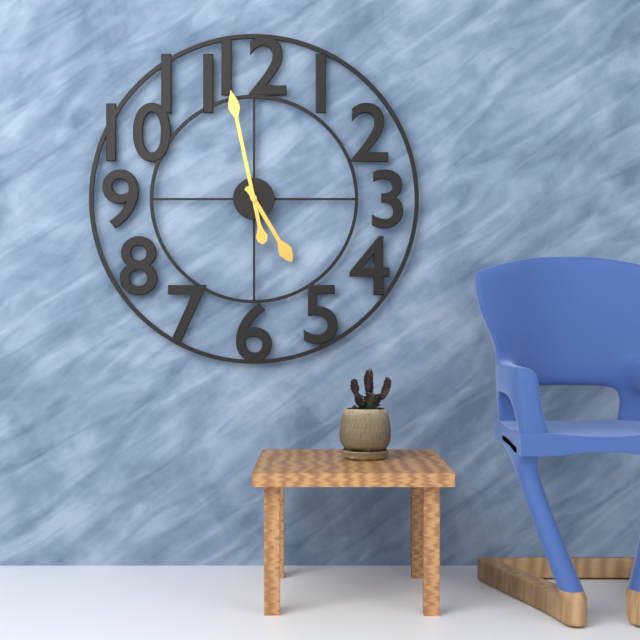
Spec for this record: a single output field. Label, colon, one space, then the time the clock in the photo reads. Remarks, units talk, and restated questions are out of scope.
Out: 4:58
